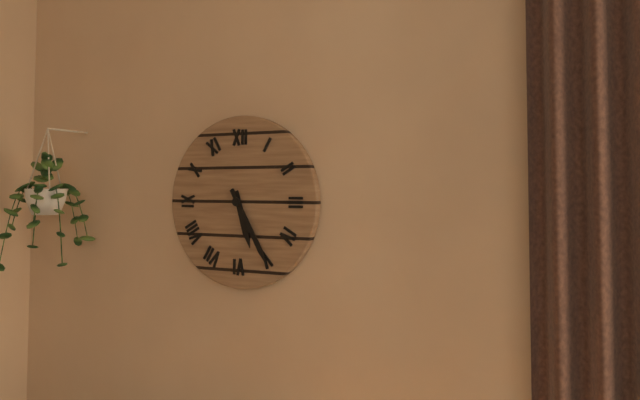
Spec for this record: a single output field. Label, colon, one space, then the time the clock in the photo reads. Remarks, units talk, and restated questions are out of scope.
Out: 5:25
